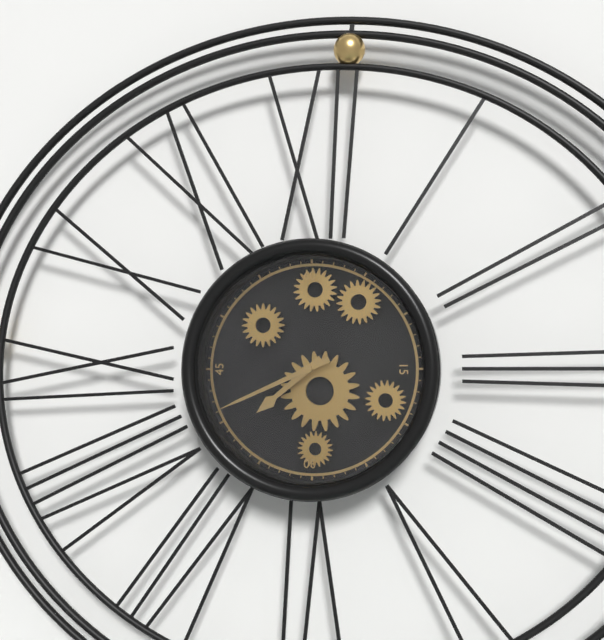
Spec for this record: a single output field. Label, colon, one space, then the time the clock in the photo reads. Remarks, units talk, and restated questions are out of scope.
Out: 7:41
